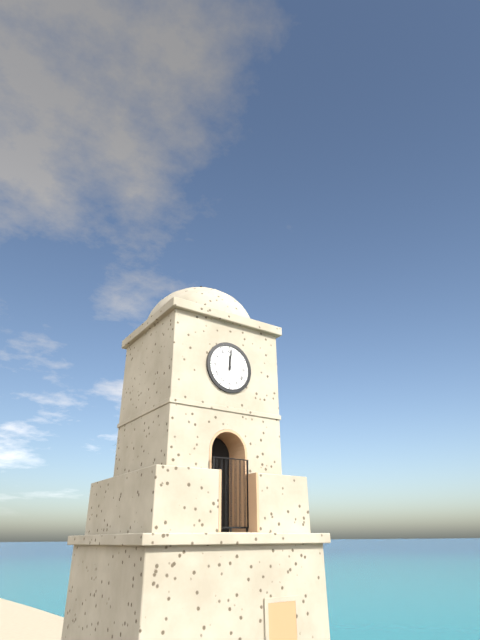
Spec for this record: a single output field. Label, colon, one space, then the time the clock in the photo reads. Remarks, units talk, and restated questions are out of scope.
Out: 12:01
